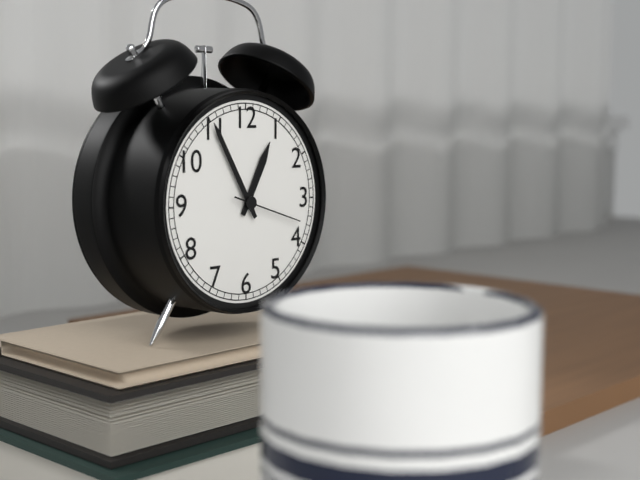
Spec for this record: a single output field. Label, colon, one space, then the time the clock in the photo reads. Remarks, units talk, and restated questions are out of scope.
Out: 12:55:18
